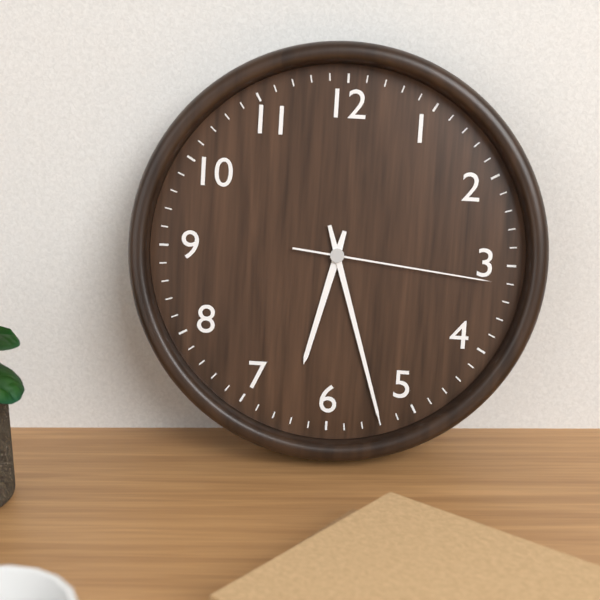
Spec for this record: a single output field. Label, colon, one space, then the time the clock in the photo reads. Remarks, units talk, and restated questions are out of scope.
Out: 6:27:16
